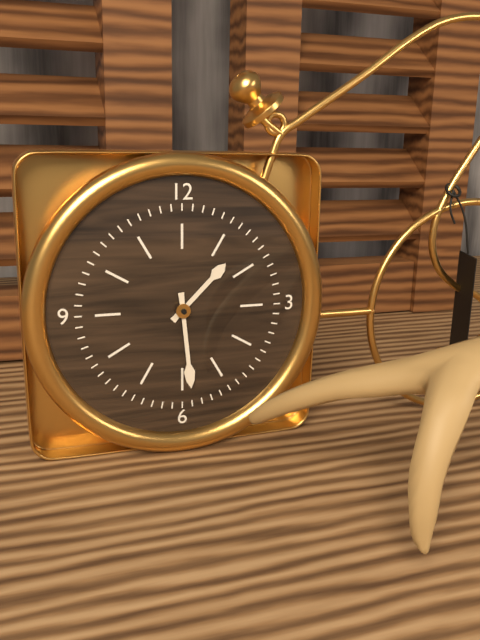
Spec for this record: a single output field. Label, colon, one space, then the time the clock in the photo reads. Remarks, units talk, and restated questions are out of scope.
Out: 1:29
